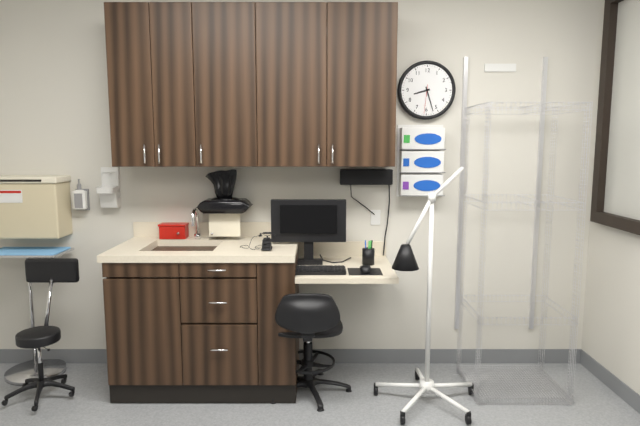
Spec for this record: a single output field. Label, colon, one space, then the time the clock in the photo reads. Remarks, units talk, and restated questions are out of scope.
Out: 8:27
